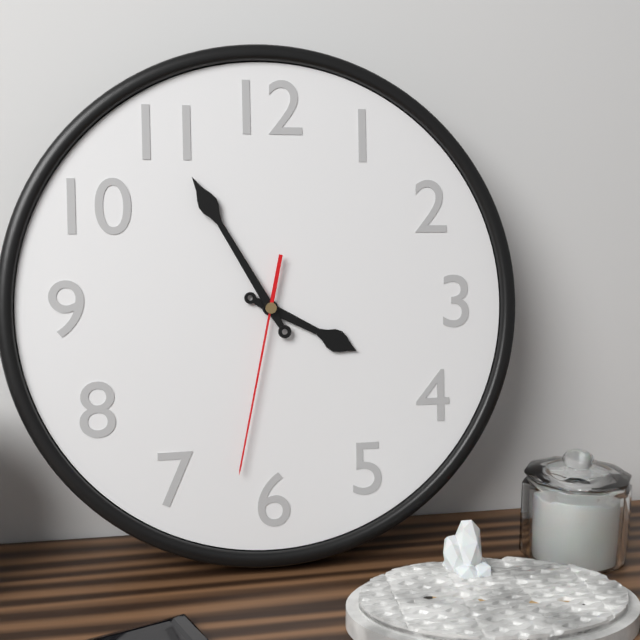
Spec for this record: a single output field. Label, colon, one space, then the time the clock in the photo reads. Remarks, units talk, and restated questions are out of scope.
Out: 3:55:32
